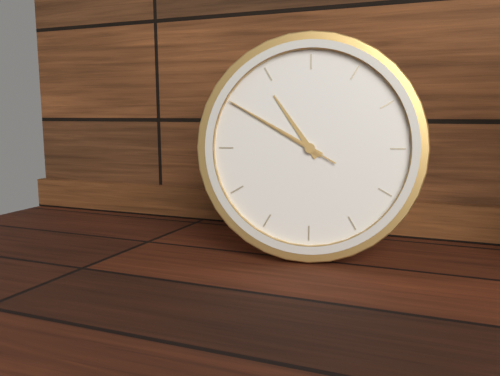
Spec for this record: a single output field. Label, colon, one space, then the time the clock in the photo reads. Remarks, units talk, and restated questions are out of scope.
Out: 10:50:50
